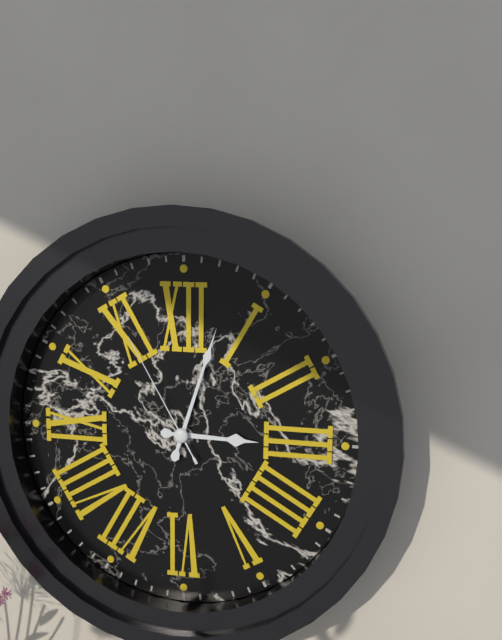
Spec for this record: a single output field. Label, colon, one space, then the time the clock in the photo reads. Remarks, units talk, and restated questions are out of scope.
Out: 3:03:55
